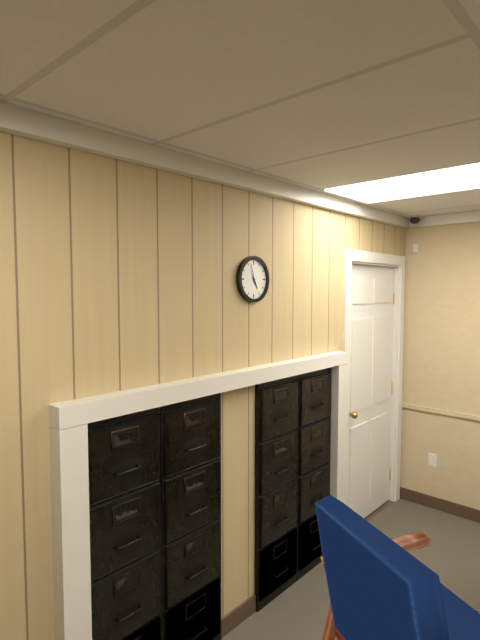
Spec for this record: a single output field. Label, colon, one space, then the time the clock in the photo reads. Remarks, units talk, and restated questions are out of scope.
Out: 4:57
